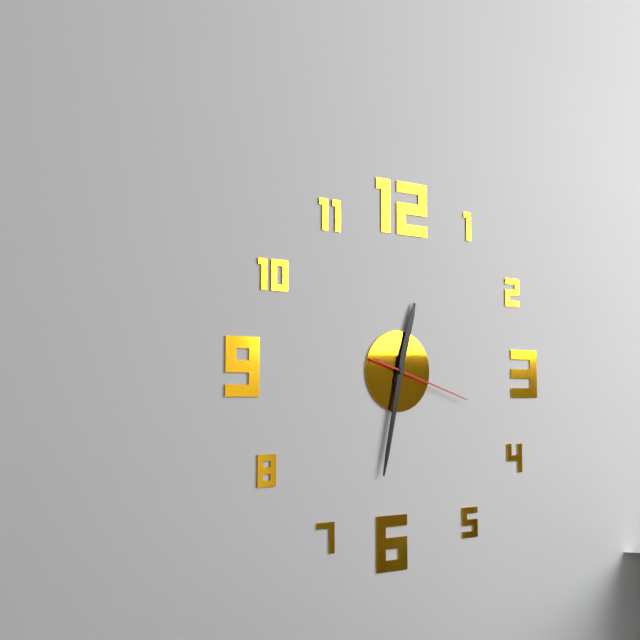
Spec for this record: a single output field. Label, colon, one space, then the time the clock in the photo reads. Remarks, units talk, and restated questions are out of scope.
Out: 12:32:18
